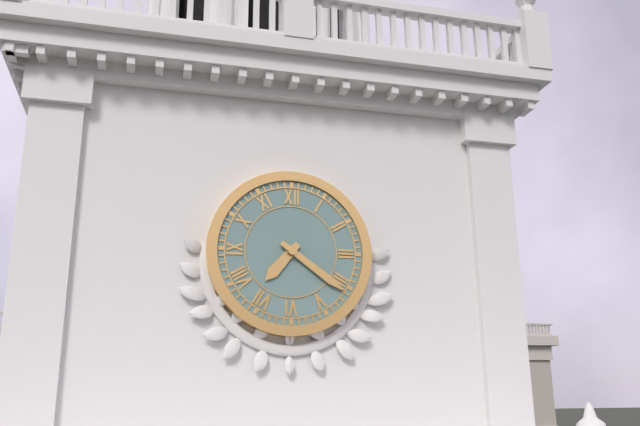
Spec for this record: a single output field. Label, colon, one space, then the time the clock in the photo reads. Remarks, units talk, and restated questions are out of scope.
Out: 7:21
